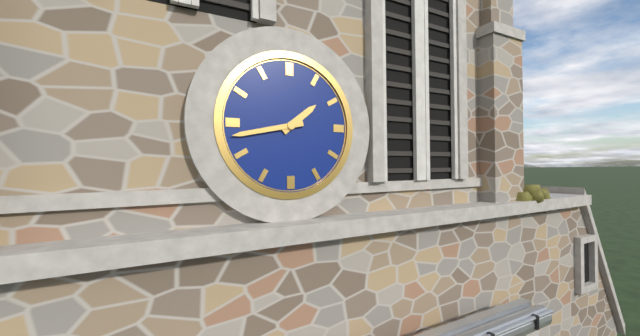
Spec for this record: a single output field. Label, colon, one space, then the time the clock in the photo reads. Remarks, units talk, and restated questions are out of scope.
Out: 1:43
